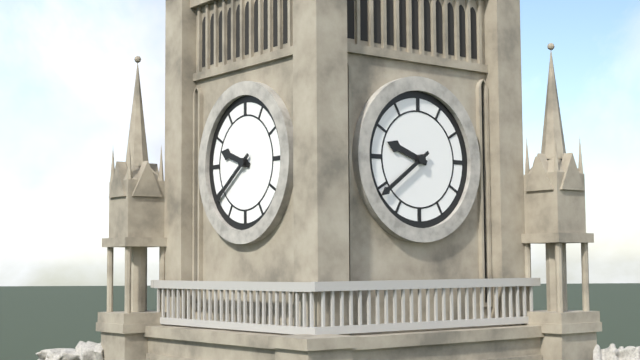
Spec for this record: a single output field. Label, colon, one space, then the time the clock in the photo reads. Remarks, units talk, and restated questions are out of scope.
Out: 9:39
